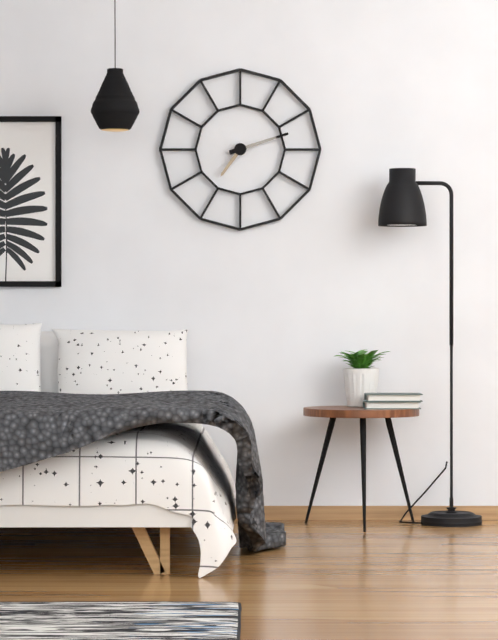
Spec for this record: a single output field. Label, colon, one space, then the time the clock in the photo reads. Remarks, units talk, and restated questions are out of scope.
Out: 7:12
